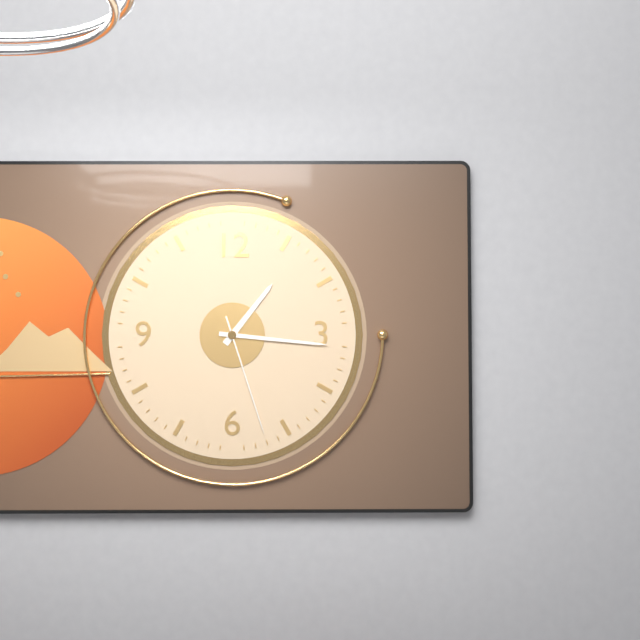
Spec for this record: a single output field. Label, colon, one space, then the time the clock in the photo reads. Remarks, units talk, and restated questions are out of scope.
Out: 1:16:27
